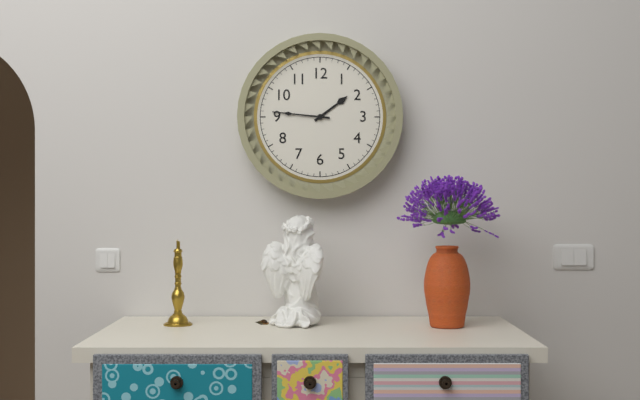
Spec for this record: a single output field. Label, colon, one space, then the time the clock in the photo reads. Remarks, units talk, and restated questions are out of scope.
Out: 1:46
